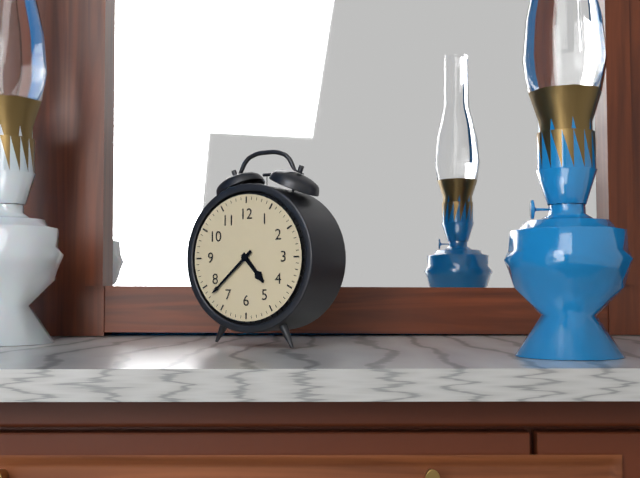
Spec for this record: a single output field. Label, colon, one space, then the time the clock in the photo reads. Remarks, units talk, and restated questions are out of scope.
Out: 4:38
